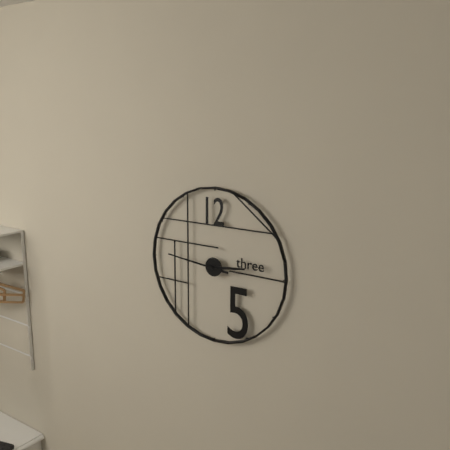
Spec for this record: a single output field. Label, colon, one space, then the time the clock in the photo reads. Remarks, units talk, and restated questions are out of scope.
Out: 2:46
